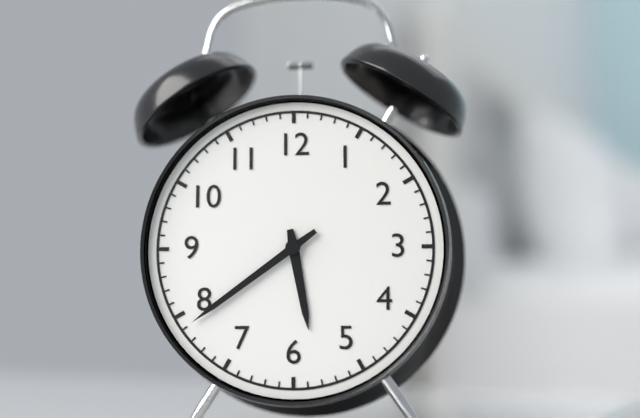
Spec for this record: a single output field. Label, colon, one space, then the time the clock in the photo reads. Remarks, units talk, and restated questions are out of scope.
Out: 5:39
